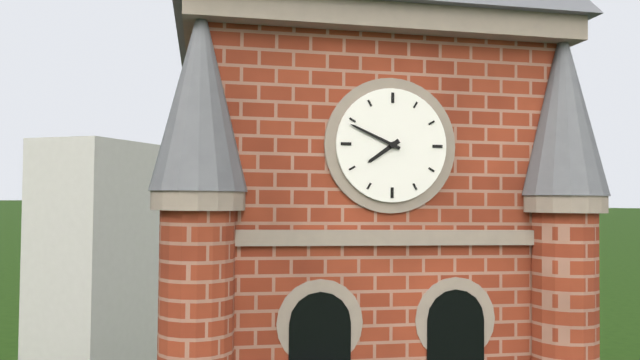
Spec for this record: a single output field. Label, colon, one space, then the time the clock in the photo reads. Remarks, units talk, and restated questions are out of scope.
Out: 7:49
